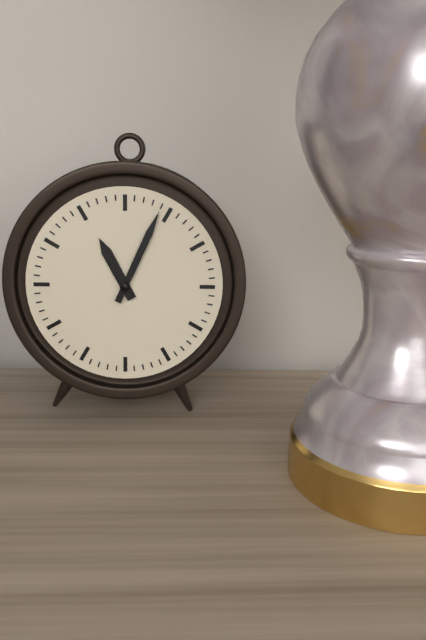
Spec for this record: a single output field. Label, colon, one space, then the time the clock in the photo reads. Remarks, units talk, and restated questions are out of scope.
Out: 11:04
